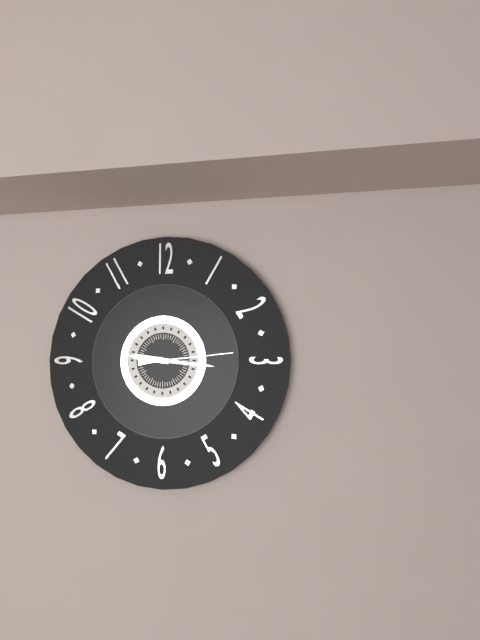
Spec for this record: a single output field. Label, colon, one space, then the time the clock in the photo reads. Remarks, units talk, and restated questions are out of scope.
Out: 9:16:14
